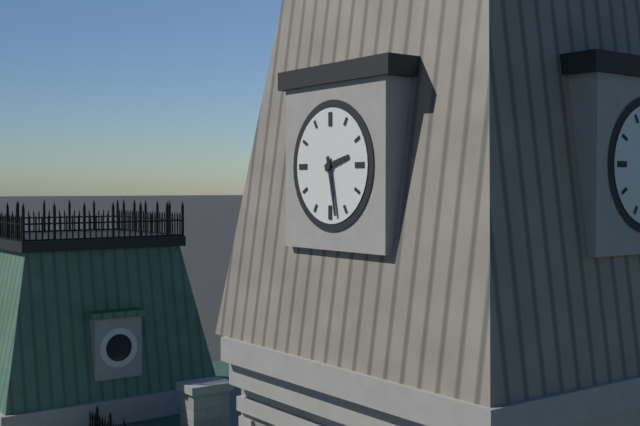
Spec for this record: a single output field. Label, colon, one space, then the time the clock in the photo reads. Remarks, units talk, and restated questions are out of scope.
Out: 2:28
